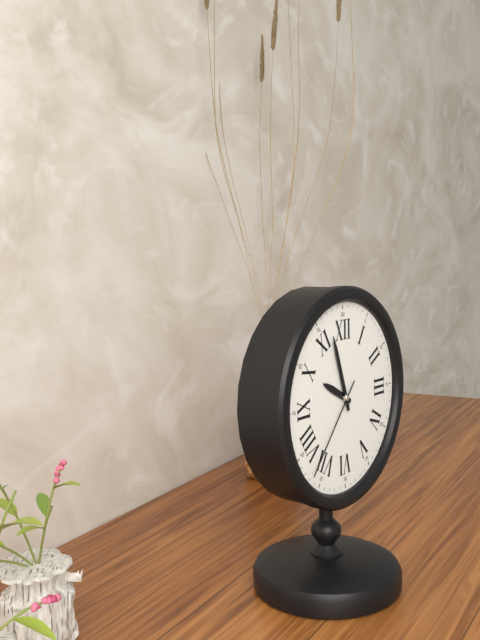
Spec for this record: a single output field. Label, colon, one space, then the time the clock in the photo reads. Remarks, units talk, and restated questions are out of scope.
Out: 9:57:37
